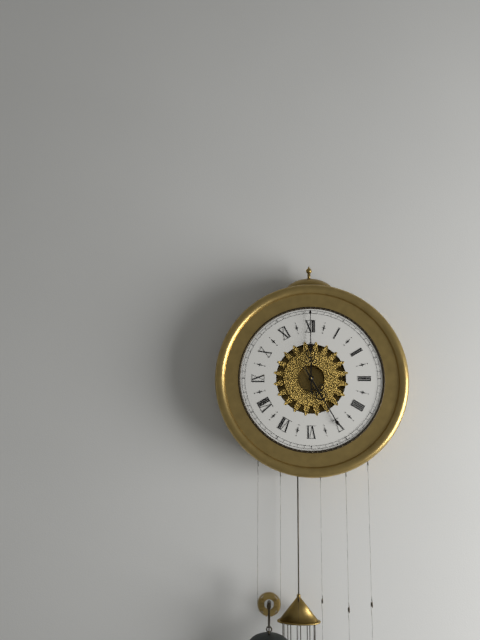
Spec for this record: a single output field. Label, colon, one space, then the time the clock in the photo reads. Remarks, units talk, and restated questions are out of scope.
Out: 5:00
